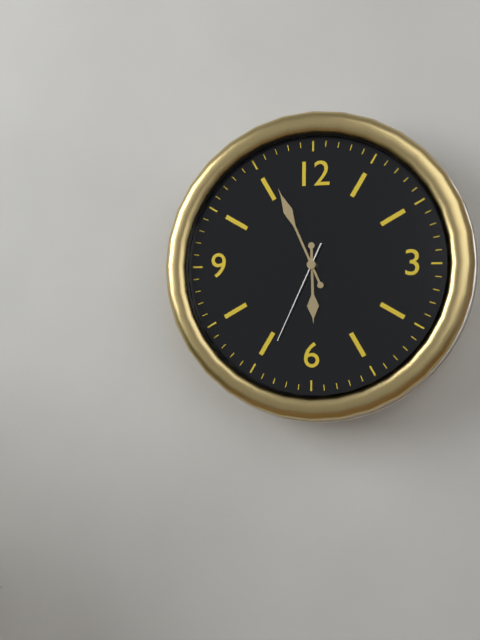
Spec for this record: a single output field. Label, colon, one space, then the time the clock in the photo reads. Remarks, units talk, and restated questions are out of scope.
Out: 5:56:34
